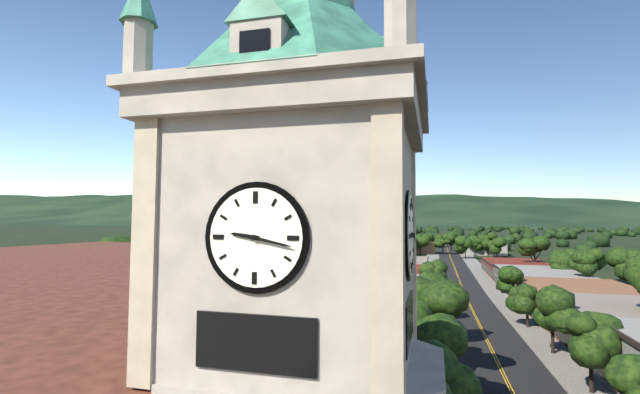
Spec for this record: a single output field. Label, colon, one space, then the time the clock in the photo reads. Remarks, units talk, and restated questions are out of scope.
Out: 9:17
